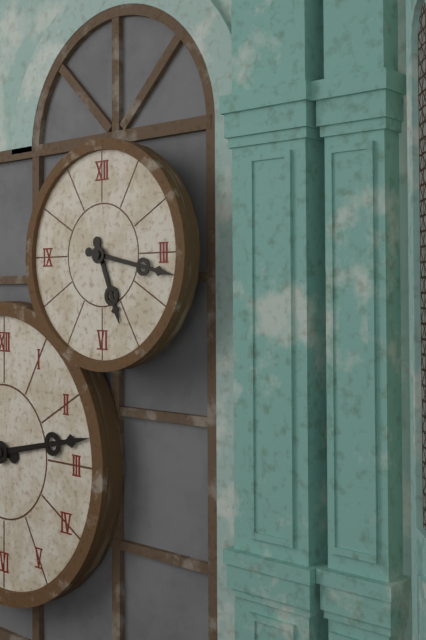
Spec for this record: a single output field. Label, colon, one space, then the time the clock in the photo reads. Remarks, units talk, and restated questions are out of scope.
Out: 5:17
